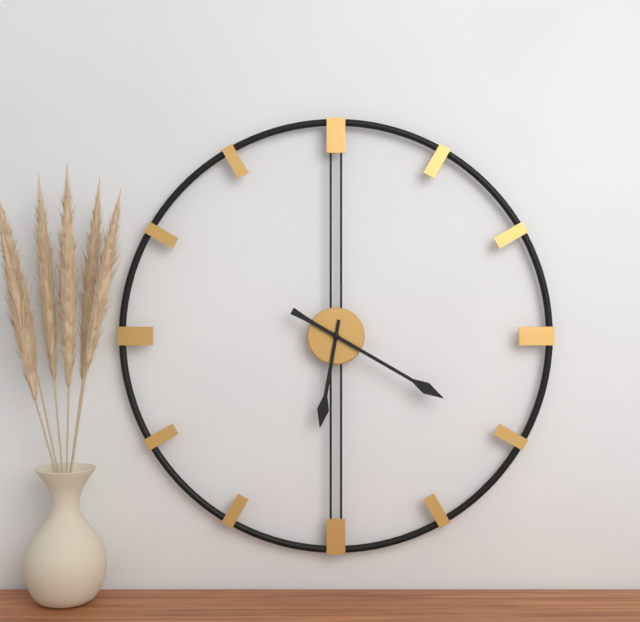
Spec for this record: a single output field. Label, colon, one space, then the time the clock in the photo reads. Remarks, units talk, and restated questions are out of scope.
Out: 6:20
